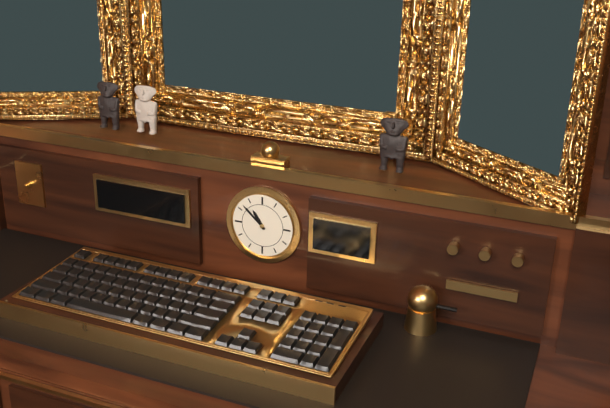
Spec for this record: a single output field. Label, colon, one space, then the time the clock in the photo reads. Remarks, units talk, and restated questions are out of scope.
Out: 10:52
